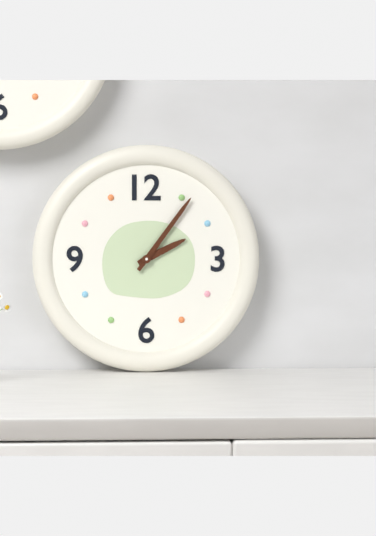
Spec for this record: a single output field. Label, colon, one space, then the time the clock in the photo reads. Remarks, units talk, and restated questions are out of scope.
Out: 2:06
